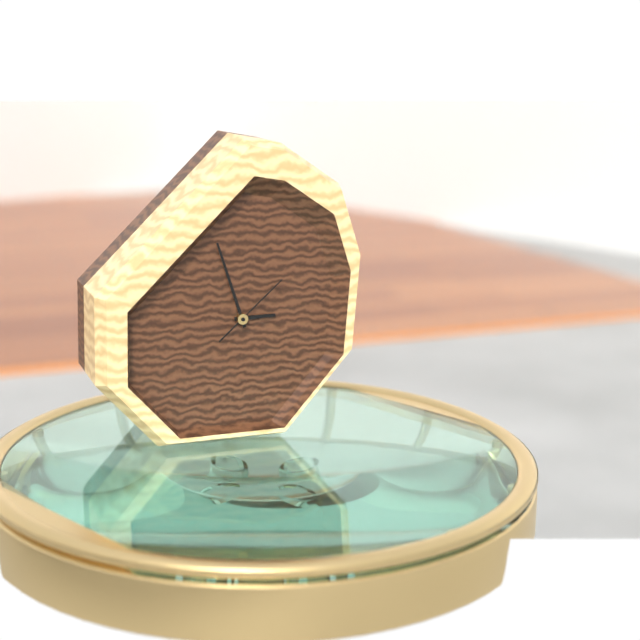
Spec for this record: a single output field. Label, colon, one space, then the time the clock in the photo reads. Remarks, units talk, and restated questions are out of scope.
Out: 2:57:08
